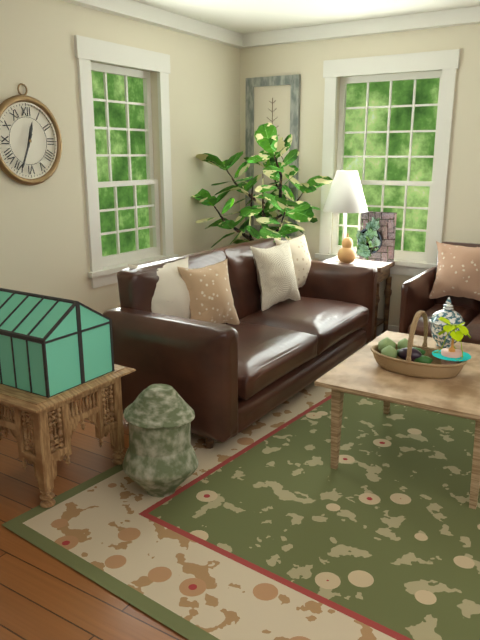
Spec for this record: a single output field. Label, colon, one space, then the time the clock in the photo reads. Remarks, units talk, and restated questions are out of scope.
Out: 12:34
